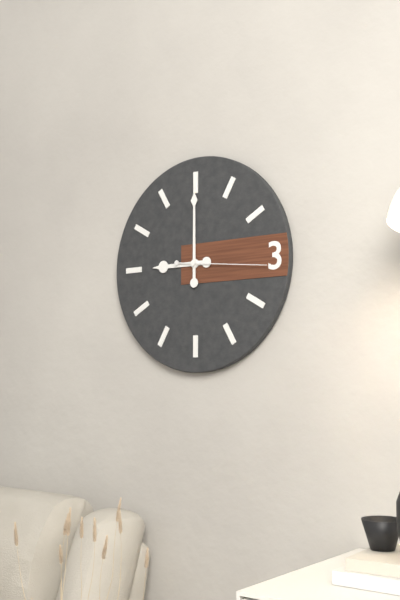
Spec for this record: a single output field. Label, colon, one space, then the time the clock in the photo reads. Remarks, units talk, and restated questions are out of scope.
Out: 9:00:16
